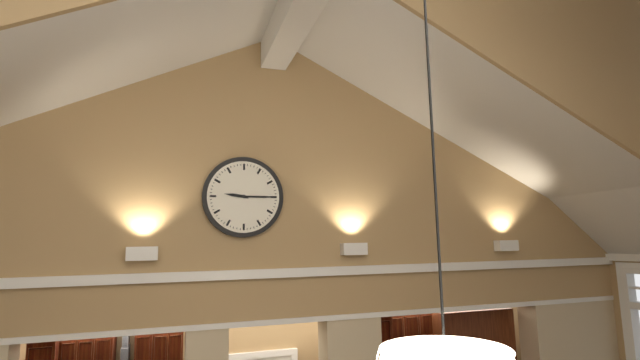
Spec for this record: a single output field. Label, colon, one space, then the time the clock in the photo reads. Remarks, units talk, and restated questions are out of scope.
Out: 9:15
